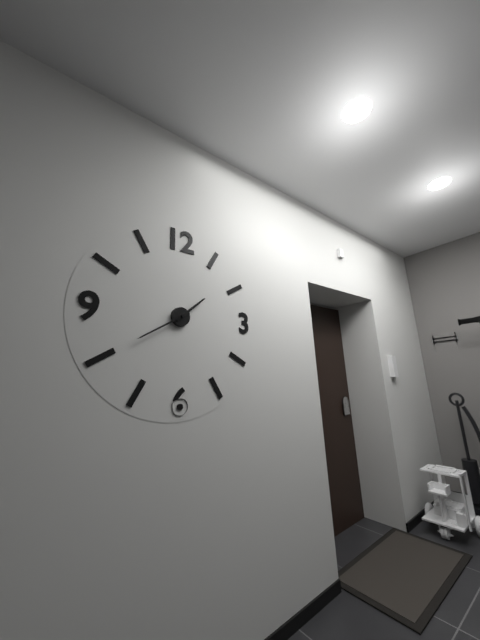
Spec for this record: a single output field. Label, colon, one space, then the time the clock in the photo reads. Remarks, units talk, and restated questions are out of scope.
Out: 1:40
